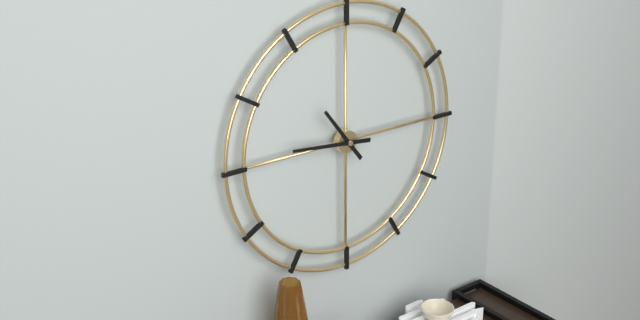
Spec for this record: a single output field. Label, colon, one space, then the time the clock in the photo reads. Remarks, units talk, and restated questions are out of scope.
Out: 10:46
